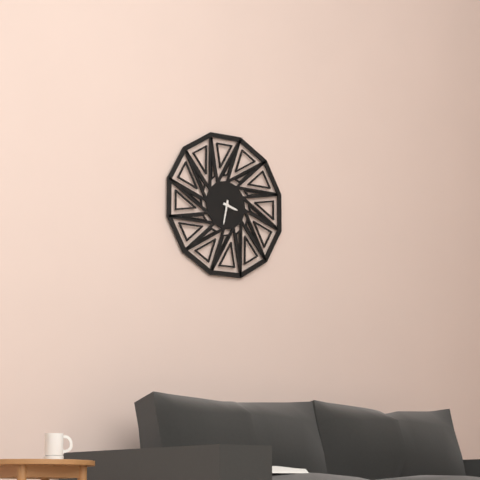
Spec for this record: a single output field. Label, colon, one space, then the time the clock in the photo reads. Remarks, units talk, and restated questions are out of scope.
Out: 3:32
